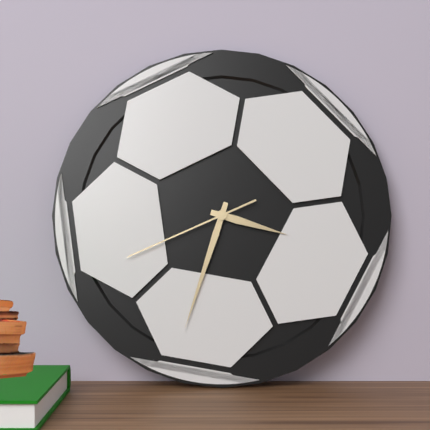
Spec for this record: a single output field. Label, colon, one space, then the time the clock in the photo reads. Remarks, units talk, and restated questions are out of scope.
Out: 3:33:41
